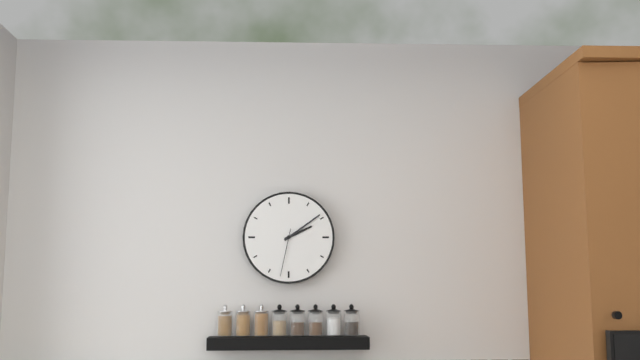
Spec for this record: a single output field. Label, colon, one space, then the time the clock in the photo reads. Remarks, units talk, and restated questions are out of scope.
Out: 2:09
